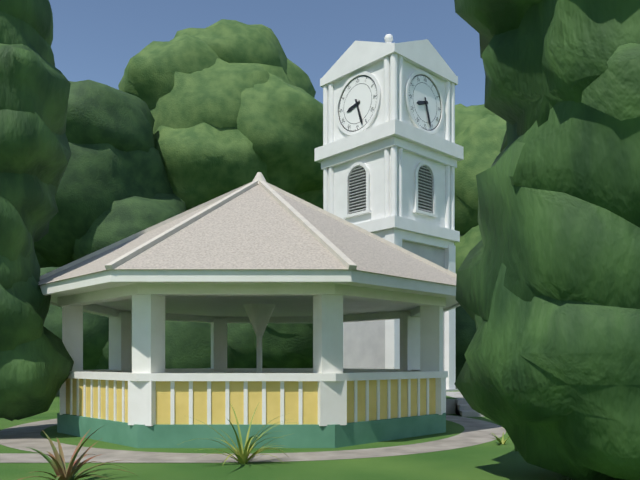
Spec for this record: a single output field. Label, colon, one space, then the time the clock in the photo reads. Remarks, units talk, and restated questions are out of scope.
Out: 8:27
